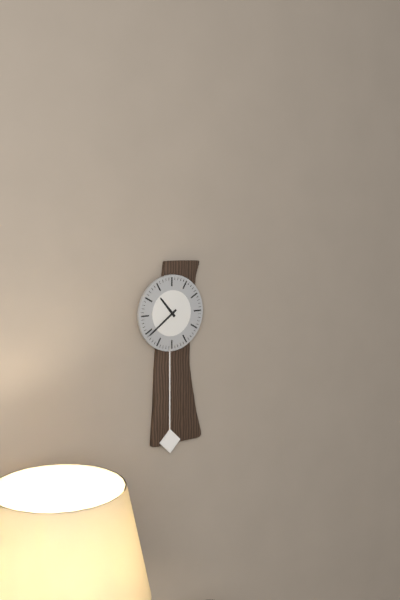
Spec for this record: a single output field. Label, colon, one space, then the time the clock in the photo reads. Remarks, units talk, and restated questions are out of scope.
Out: 10:39
